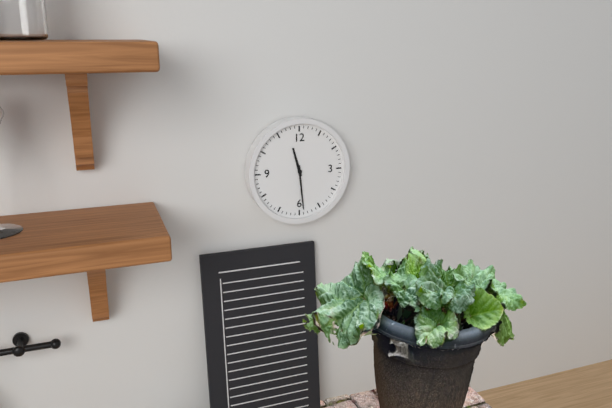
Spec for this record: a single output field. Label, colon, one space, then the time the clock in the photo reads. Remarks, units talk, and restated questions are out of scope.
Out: 11:29
